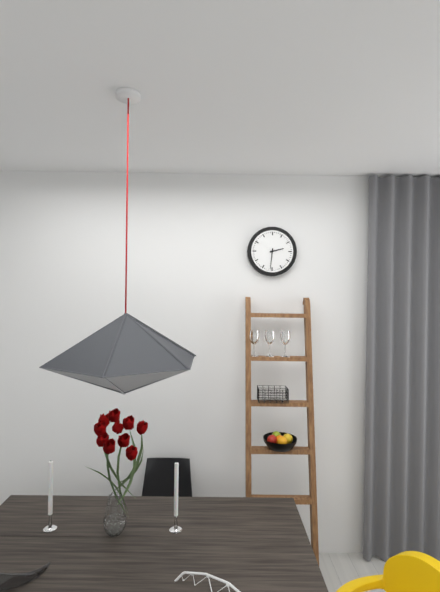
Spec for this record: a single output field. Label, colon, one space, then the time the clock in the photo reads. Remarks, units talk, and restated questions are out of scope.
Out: 2:31
